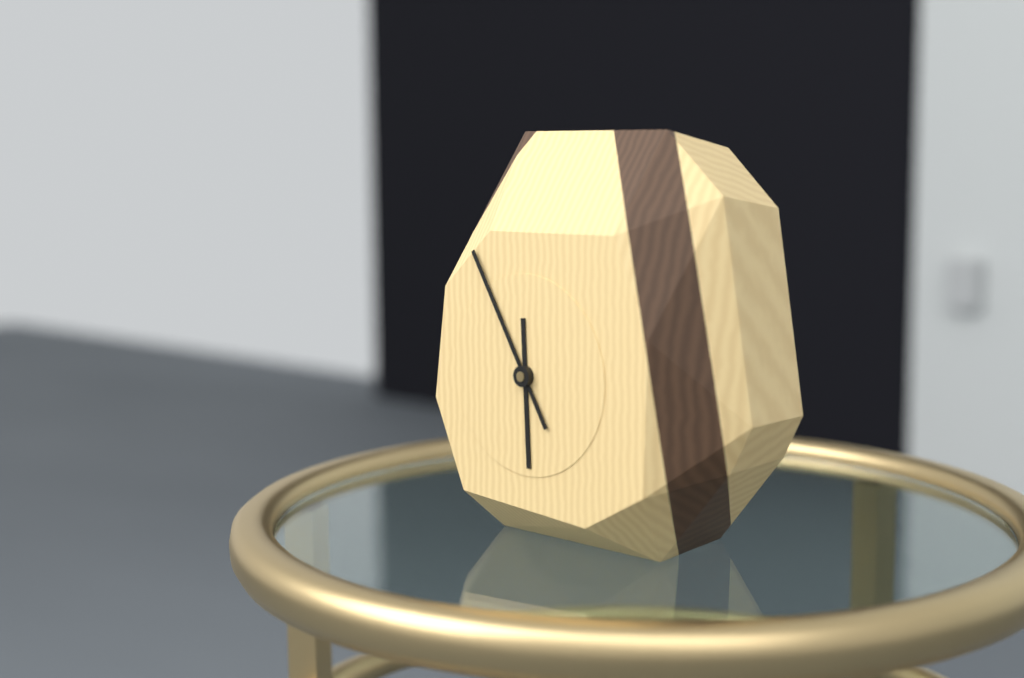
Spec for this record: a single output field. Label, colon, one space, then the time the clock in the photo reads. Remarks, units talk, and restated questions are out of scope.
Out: 5:55
